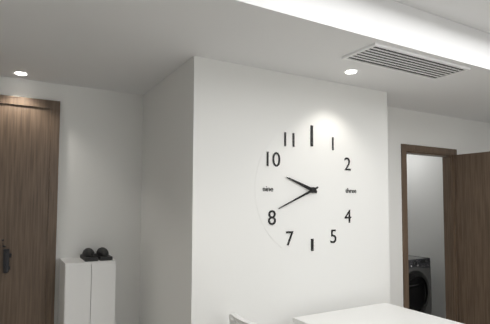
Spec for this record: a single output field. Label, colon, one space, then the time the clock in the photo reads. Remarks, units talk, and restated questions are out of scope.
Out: 9:41
